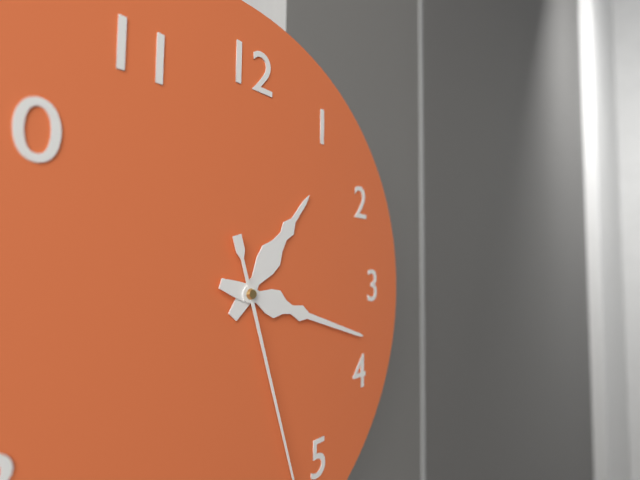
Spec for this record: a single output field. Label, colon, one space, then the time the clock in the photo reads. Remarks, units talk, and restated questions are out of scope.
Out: 1:18
